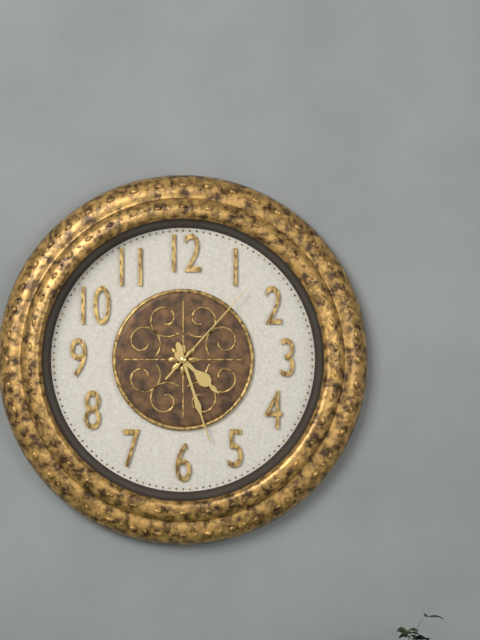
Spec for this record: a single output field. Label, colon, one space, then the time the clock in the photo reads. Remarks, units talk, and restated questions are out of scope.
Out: 4:27:07
